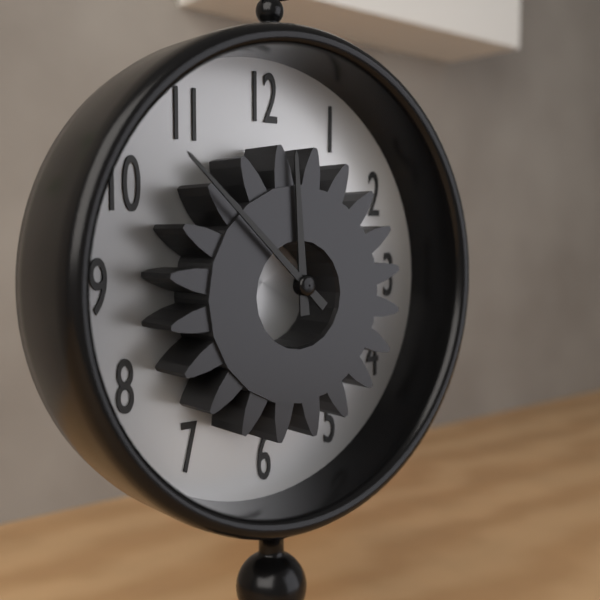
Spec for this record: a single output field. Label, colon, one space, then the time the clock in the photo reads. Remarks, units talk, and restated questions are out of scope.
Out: 11:52
